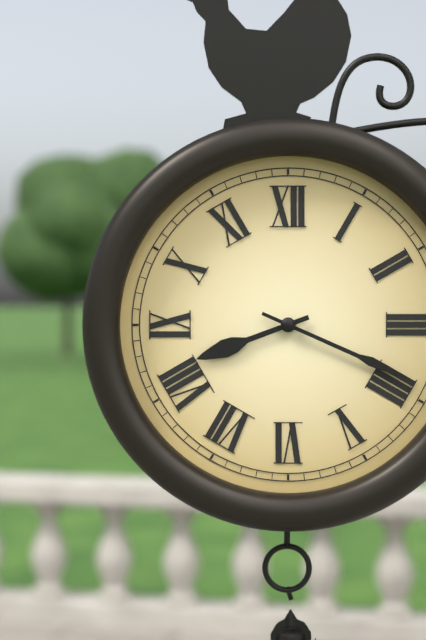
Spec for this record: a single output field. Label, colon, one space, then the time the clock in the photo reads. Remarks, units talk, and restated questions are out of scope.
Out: 8:19
